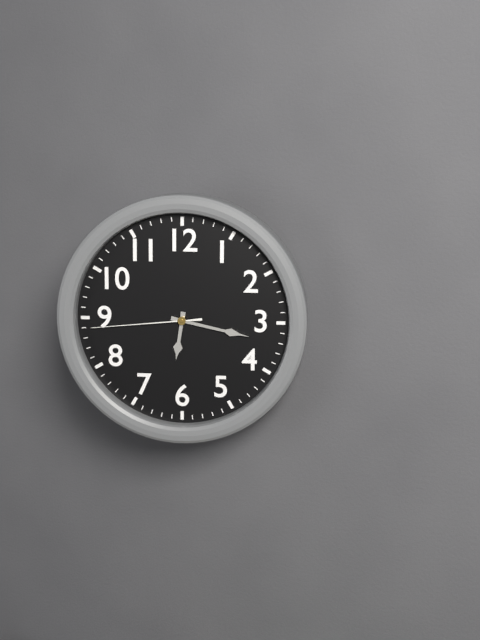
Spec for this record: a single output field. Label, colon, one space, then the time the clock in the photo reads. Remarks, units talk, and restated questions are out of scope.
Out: 6:17:44
